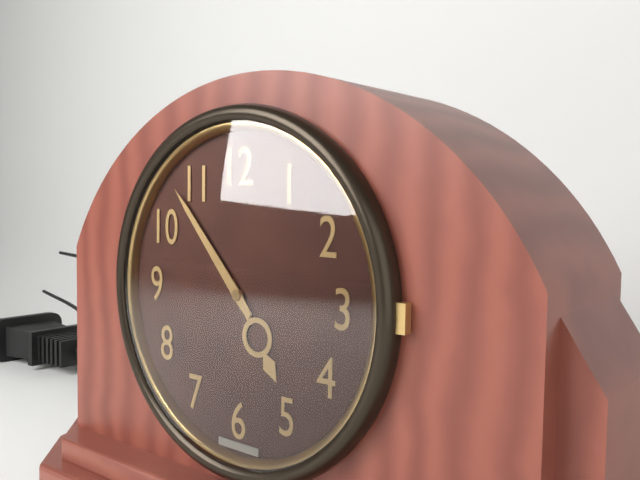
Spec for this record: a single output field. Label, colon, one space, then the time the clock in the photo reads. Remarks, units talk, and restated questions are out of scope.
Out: 4:53
